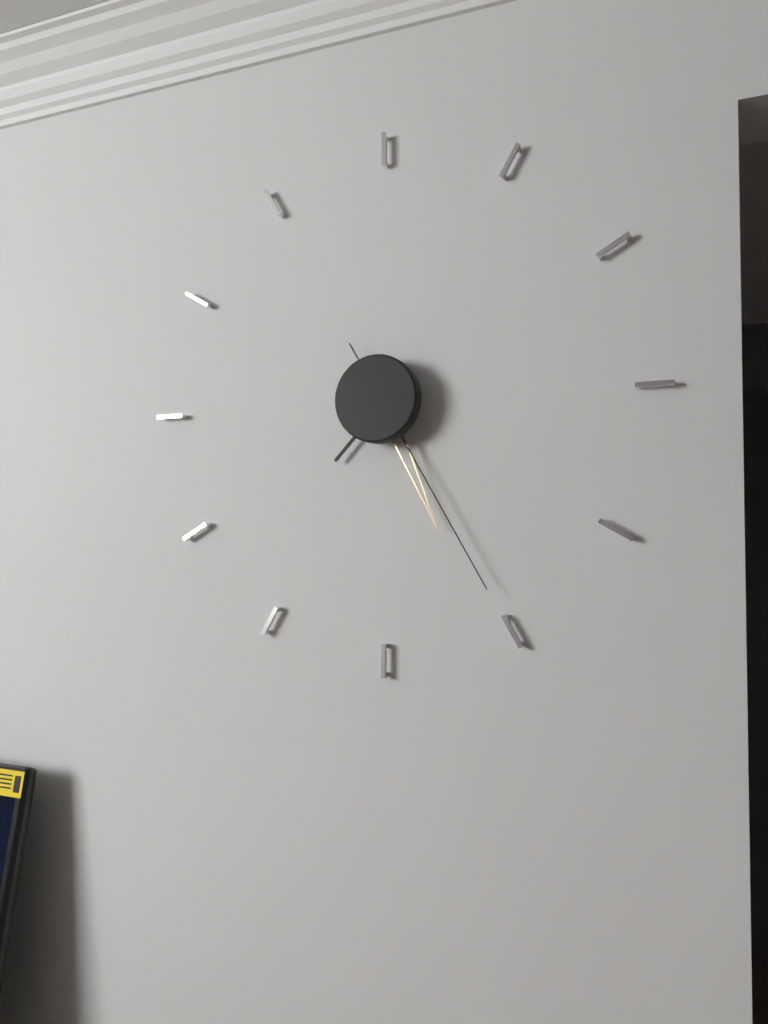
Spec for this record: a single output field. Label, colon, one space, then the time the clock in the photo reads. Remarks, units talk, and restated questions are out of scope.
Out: 7:26:25
